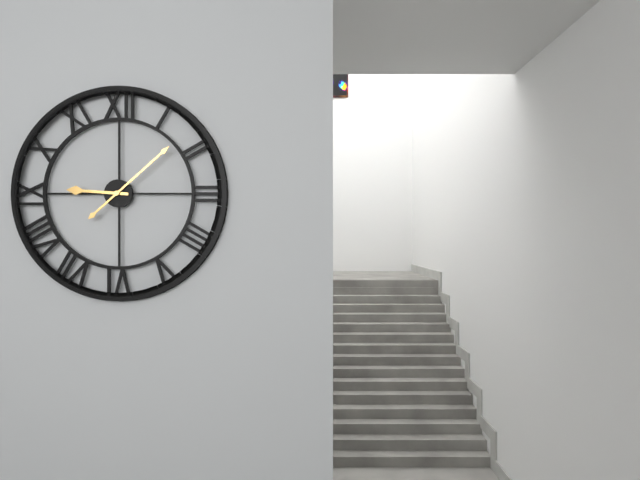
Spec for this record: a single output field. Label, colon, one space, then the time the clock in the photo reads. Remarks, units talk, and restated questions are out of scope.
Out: 9:08
